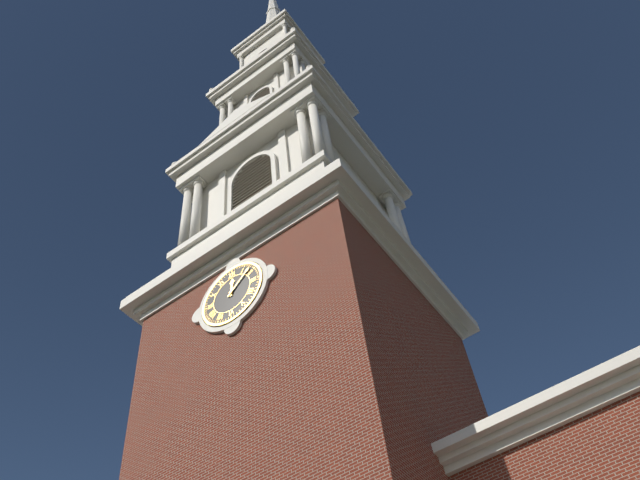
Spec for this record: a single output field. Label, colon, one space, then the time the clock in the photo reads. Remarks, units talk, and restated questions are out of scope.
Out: 12:08
